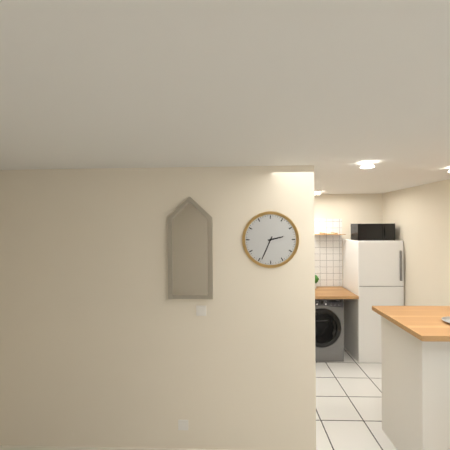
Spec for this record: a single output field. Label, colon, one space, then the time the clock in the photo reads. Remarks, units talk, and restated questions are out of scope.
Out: 2:34
